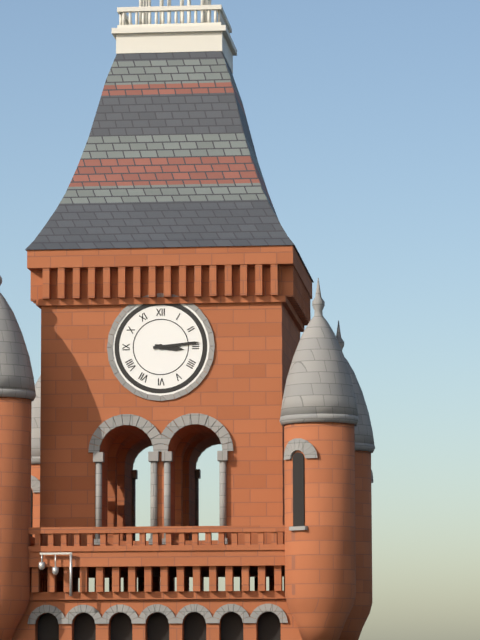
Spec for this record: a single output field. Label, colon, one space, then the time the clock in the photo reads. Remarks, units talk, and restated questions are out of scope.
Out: 3:14
